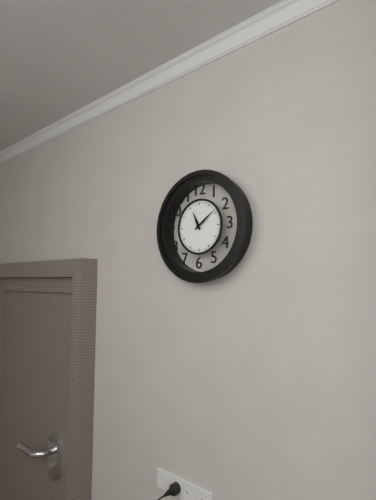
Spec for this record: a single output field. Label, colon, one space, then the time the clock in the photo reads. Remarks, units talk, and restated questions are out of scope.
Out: 11:09
